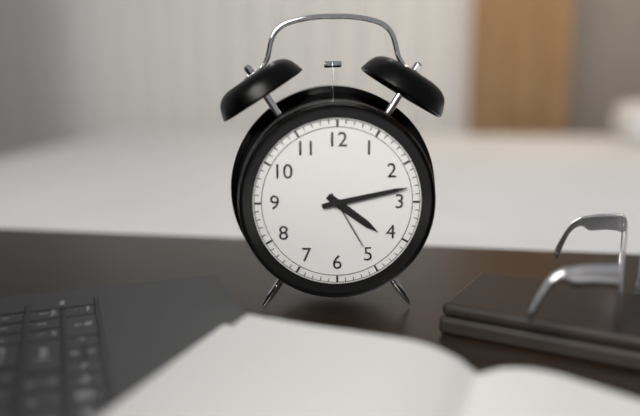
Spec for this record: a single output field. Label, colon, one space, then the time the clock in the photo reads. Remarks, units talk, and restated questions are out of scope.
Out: 4:13:25
